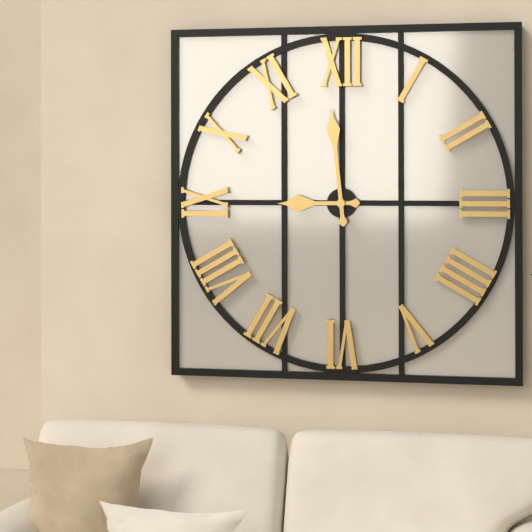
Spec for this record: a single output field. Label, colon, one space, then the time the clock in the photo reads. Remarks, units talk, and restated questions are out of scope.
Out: 8:59
